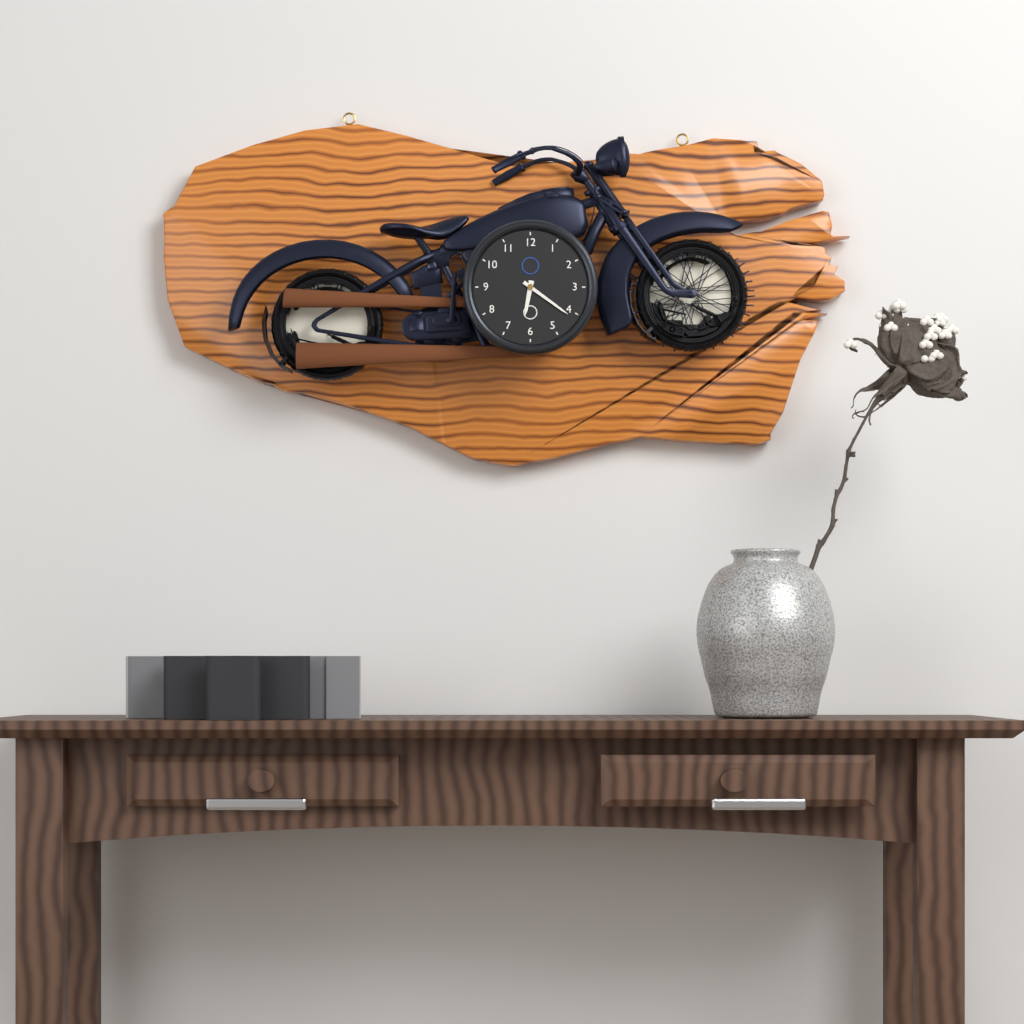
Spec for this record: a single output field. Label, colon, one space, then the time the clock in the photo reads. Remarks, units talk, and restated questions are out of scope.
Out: 6:21
